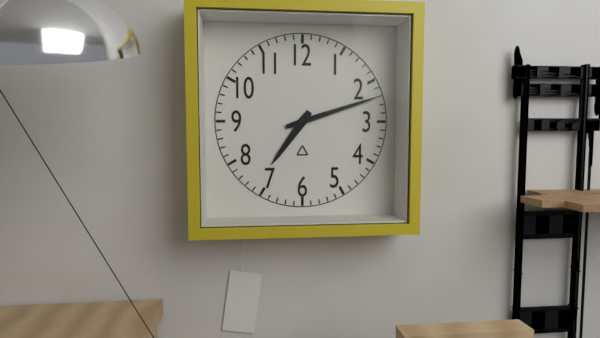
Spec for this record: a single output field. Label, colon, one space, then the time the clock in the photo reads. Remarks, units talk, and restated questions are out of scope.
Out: 7:12
